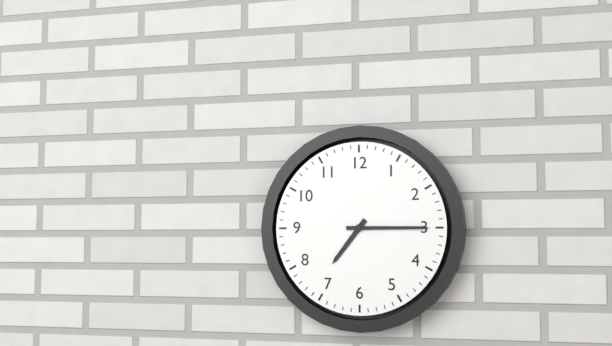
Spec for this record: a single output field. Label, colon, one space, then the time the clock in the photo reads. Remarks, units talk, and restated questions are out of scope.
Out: 7:15
